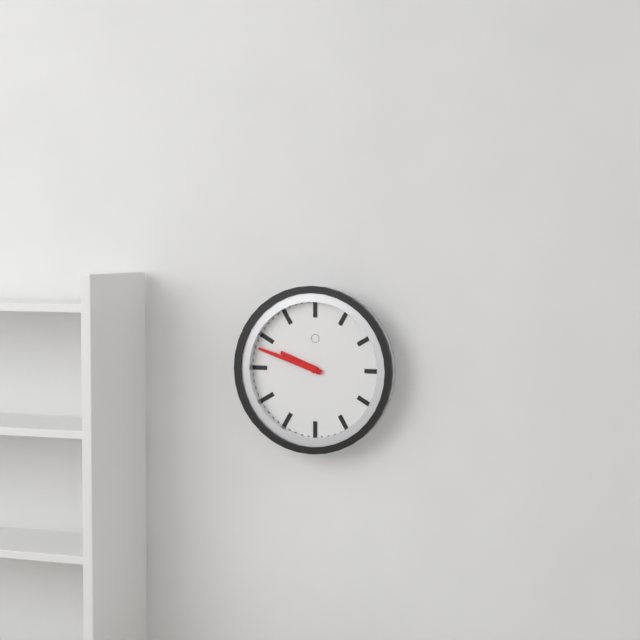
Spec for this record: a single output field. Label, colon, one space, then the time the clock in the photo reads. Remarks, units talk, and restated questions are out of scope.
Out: 9:48
